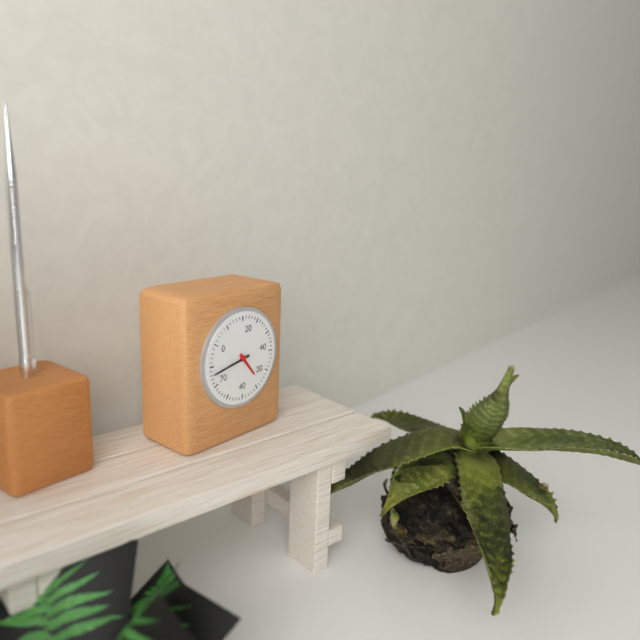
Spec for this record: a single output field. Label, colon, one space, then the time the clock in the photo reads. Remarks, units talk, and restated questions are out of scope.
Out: 4:43
